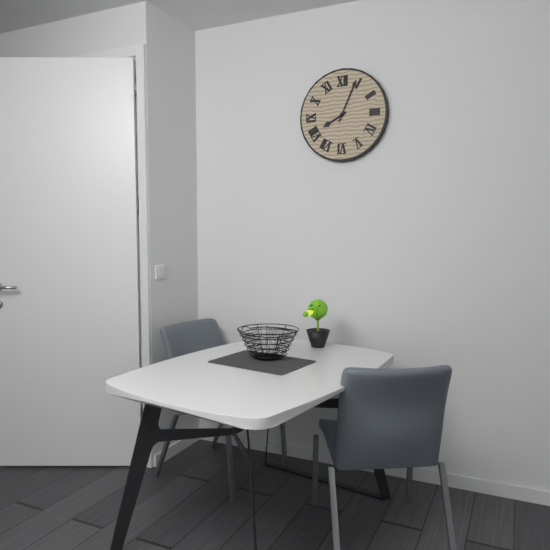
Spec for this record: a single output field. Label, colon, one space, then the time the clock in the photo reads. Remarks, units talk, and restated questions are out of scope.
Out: 8:04
